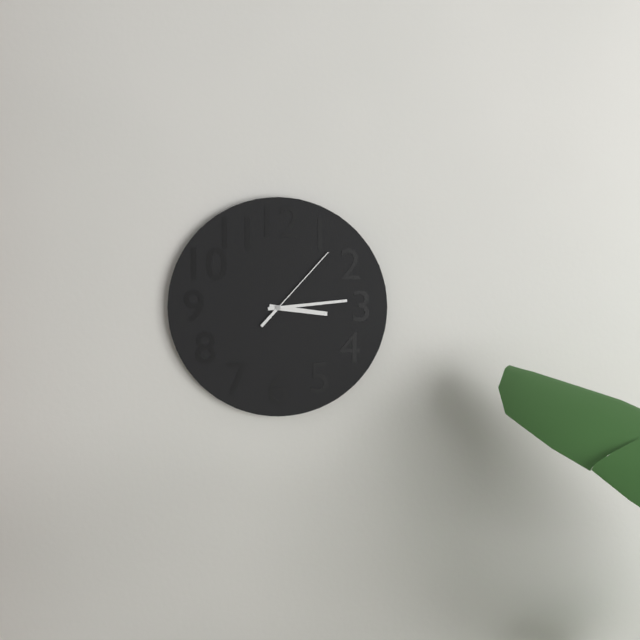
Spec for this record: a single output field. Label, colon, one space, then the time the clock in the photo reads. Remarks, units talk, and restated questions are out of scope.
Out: 3:14:07
